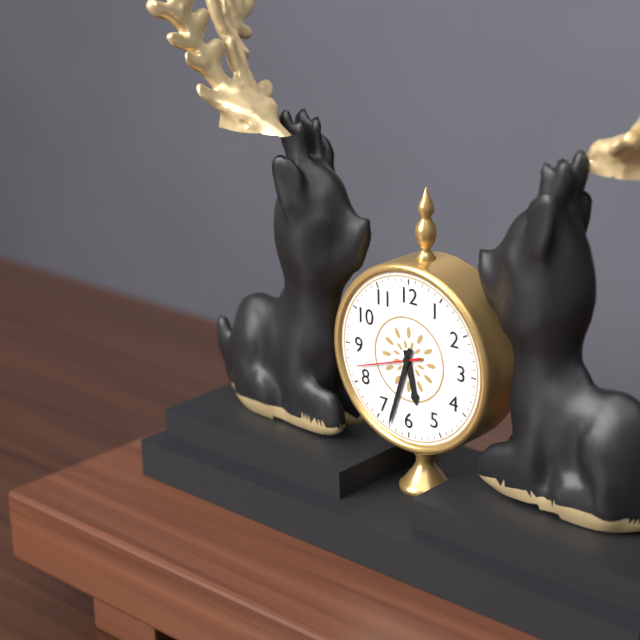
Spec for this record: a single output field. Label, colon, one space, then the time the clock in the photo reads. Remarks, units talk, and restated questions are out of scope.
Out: 5:33:42
